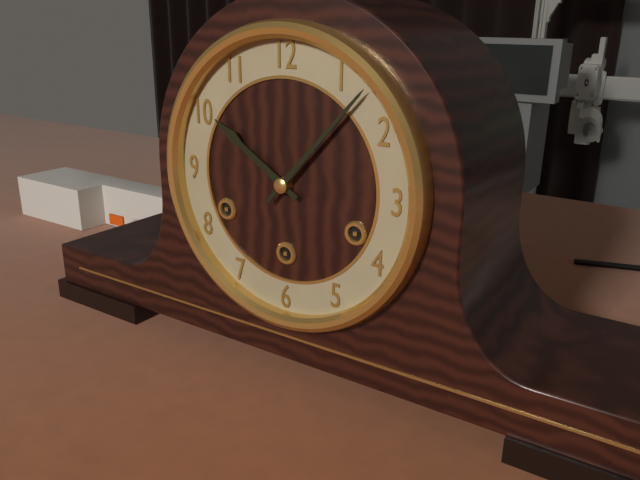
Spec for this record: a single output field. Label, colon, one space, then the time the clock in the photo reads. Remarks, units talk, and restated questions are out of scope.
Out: 10:07
